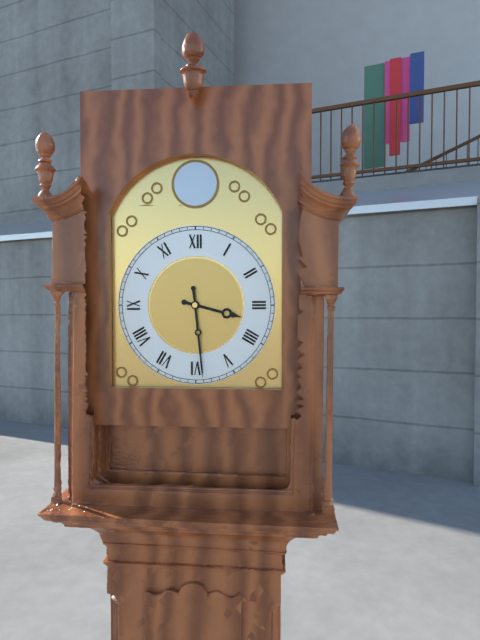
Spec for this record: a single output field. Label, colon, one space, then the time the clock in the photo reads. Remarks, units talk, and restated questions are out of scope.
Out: 3:29
